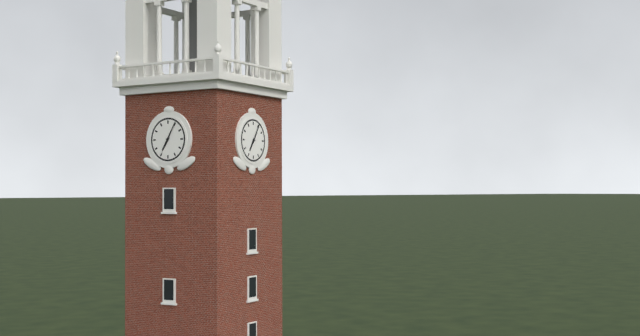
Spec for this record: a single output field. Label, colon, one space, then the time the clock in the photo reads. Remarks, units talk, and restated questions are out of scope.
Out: 7:05
